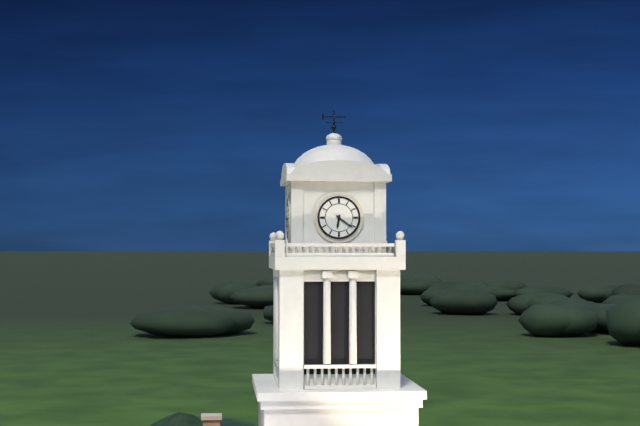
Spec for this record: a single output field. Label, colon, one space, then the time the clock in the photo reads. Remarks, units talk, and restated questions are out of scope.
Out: 6:21
